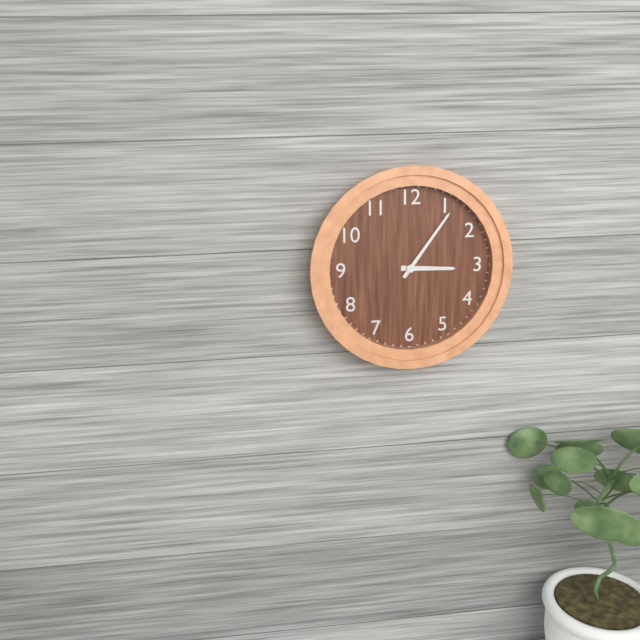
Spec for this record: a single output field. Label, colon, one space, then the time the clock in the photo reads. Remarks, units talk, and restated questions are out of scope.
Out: 3:06
